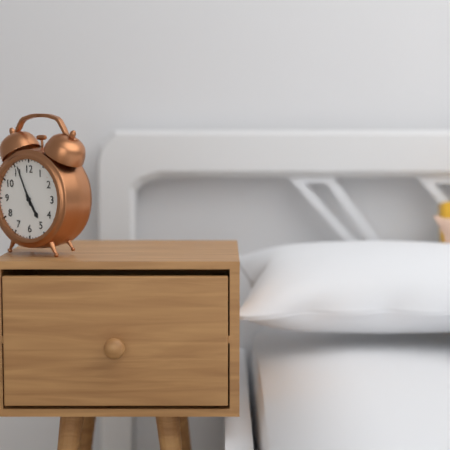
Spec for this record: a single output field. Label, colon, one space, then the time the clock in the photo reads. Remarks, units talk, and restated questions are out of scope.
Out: 4:56
